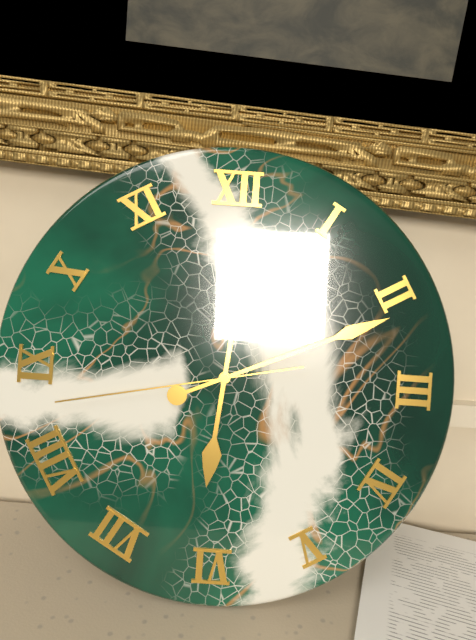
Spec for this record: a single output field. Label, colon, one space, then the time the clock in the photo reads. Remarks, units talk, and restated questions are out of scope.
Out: 6:11:43
